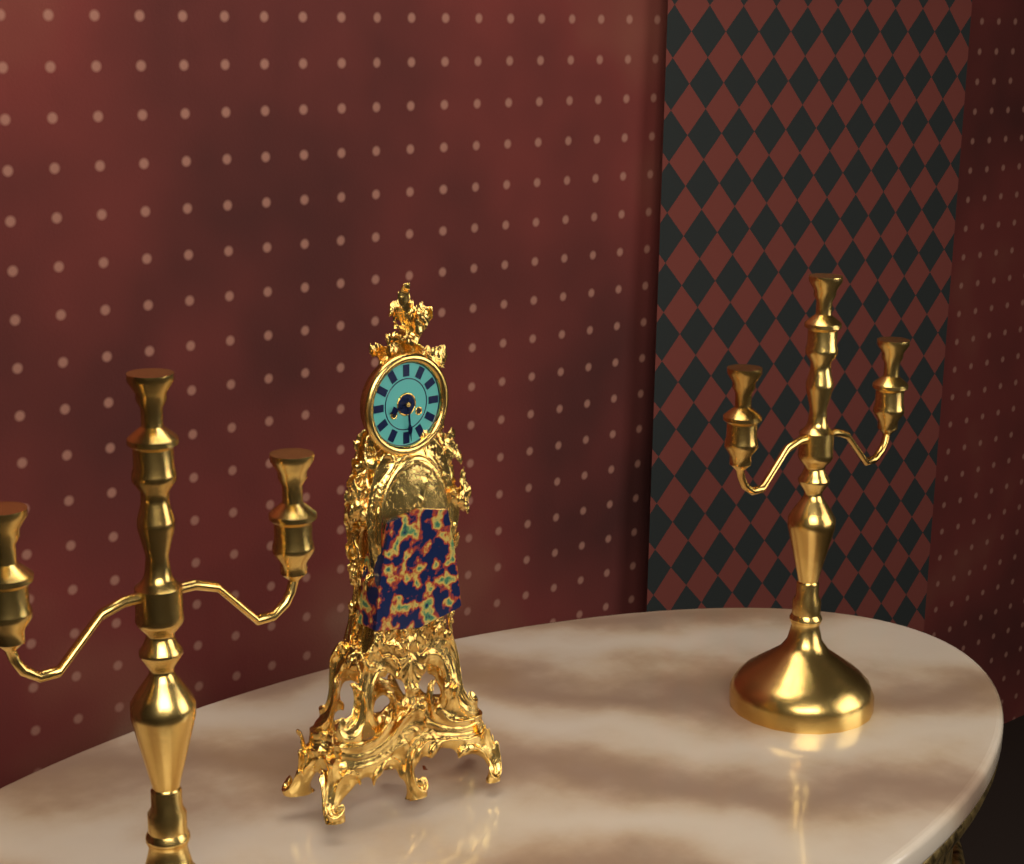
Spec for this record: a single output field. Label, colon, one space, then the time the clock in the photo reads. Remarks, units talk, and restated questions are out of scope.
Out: 8:29
